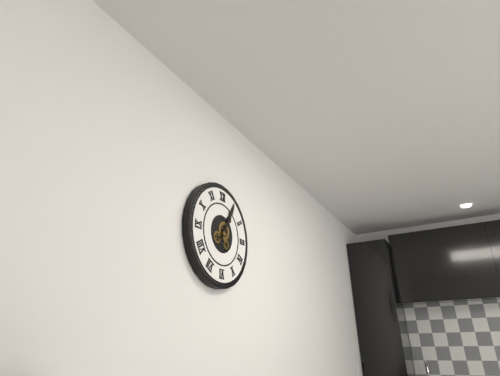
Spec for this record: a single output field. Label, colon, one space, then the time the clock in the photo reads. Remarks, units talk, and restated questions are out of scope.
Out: 1:05
